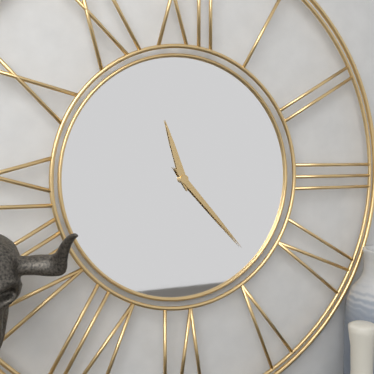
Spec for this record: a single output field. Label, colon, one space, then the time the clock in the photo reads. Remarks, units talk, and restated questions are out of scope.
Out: 11:23
